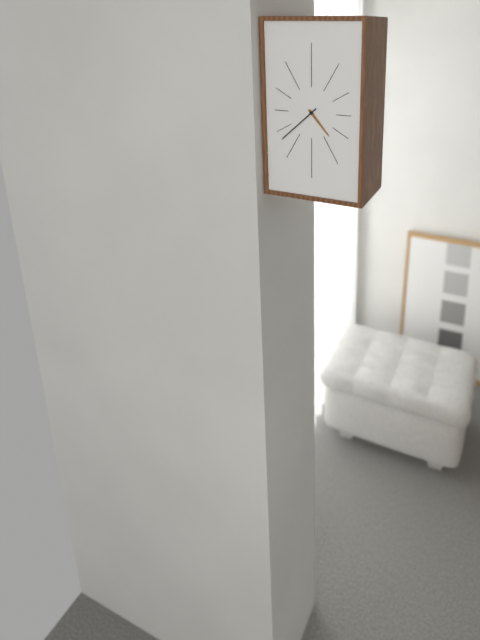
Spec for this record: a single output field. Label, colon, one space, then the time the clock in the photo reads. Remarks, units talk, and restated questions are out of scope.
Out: 4:38
